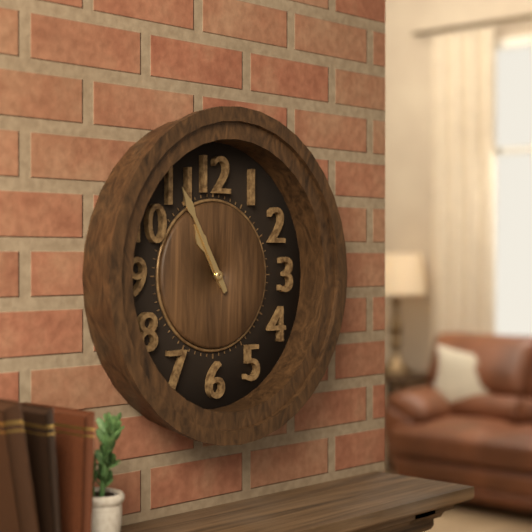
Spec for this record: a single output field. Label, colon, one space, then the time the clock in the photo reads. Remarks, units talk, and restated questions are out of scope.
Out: 10:55
